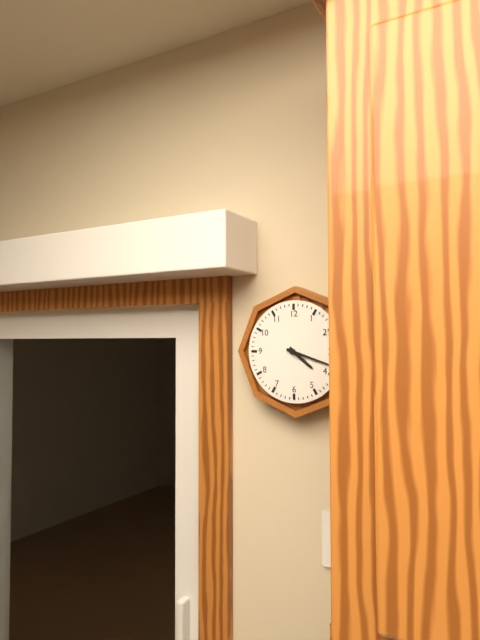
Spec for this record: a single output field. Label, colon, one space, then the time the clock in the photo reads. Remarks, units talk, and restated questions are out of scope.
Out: 4:18
